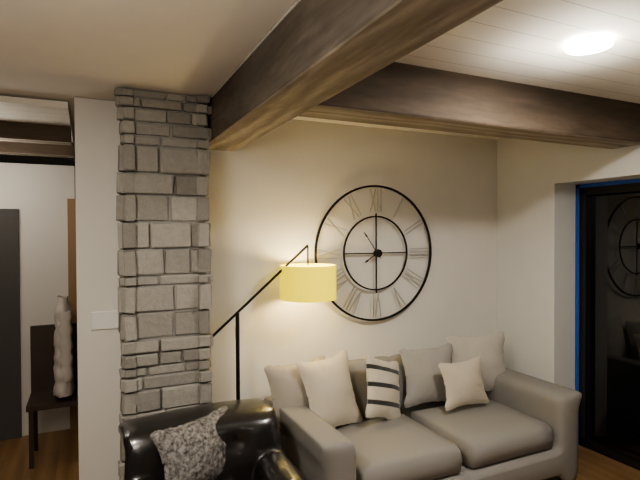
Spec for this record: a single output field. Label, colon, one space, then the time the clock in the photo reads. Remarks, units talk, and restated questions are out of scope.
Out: 7:54
